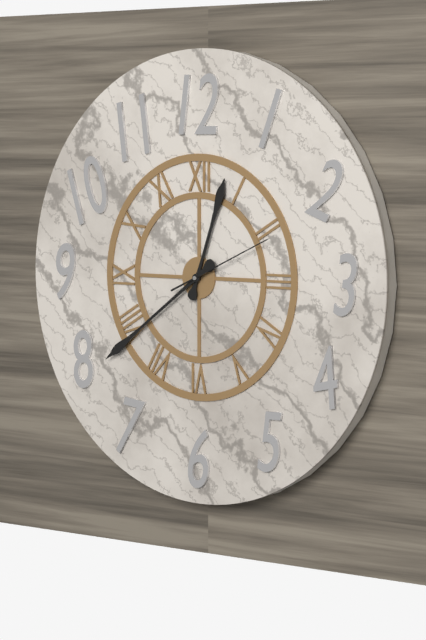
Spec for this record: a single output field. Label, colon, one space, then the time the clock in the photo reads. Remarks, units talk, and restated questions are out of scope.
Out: 12:39:11
